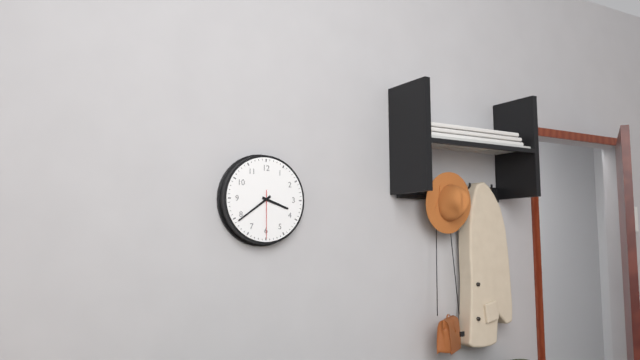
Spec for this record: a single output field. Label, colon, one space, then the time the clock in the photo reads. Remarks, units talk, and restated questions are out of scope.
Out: 3:39
